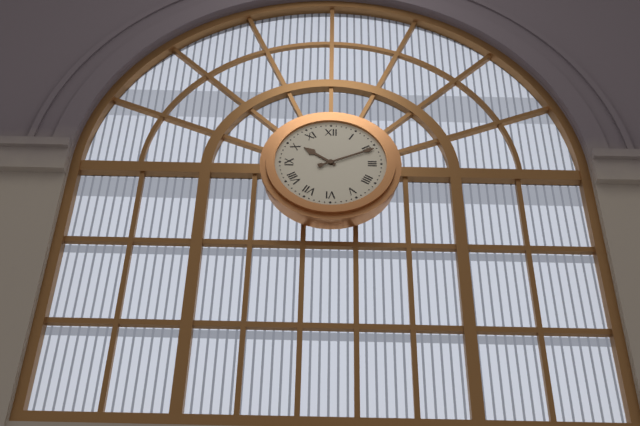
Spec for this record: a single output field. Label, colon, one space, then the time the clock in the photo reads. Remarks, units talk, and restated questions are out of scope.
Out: 10:11
